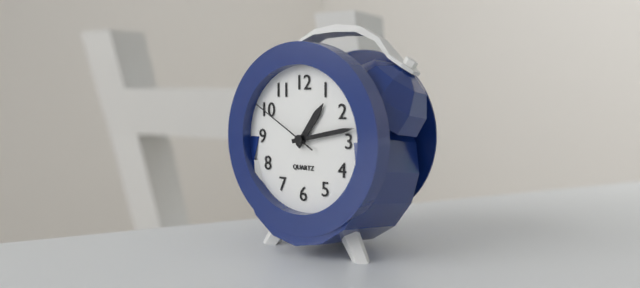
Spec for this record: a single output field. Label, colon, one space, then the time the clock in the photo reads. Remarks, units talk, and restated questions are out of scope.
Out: 1:13:50
